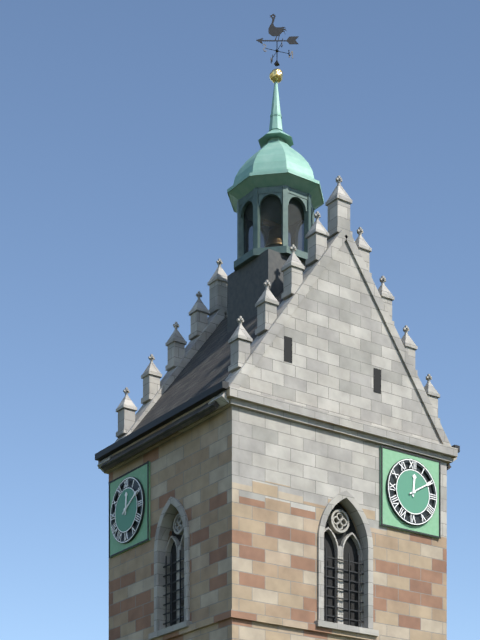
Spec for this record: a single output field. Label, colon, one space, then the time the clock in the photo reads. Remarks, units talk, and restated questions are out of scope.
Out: 12:10
